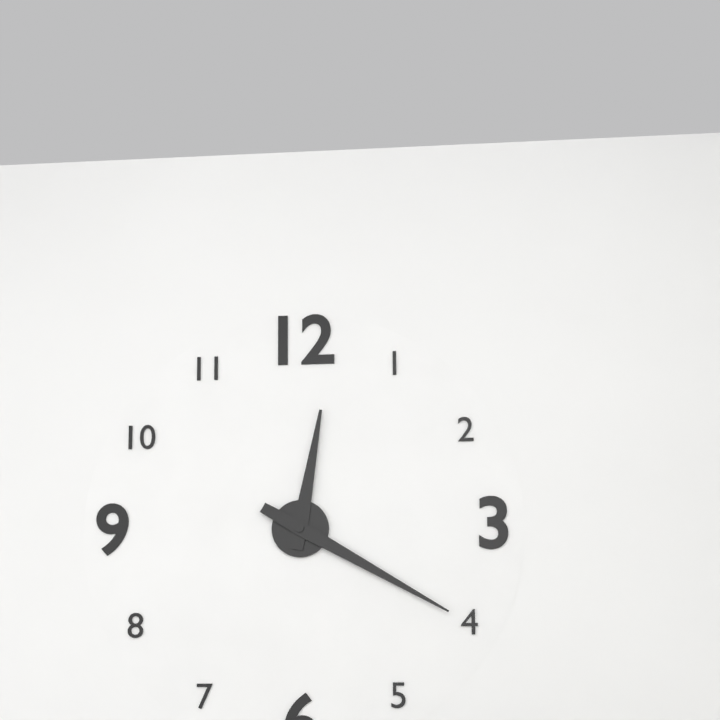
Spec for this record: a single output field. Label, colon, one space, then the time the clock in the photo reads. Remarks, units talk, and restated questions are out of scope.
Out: 12:20
